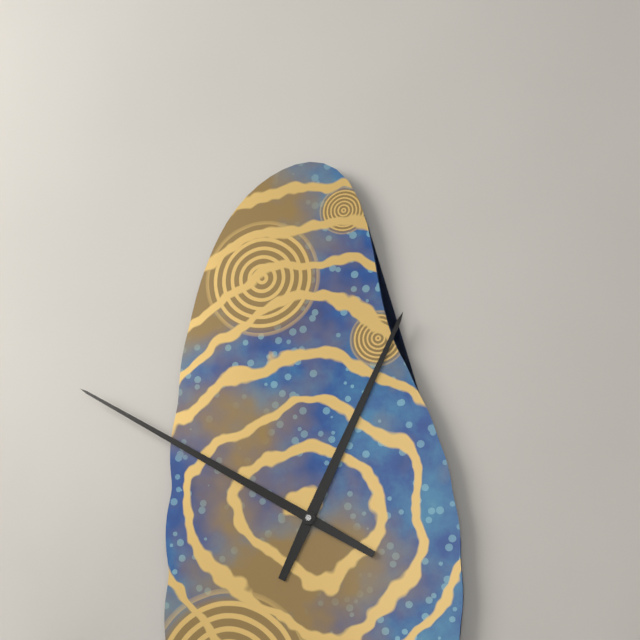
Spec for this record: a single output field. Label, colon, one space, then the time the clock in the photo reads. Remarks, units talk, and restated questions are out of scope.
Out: 12:50
